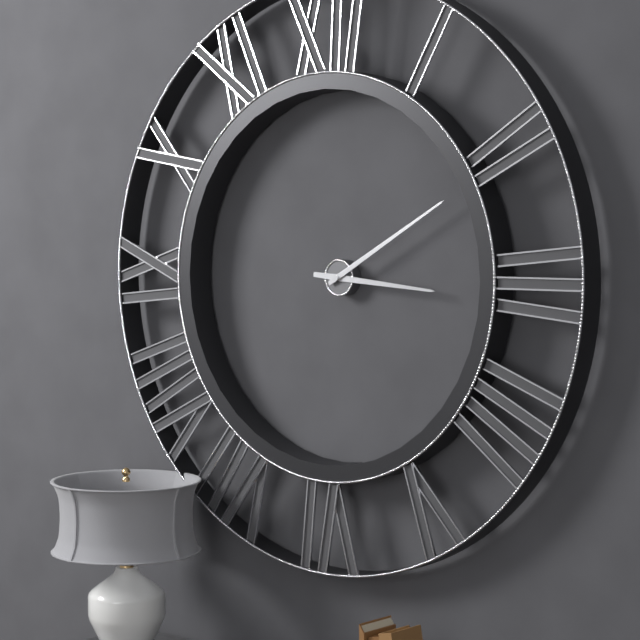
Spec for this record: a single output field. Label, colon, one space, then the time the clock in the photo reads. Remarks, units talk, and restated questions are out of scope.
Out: 3:10
